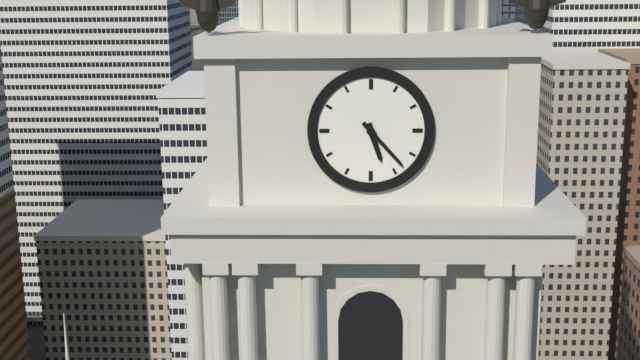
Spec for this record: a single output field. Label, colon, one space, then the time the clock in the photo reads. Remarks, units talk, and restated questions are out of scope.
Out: 5:23
